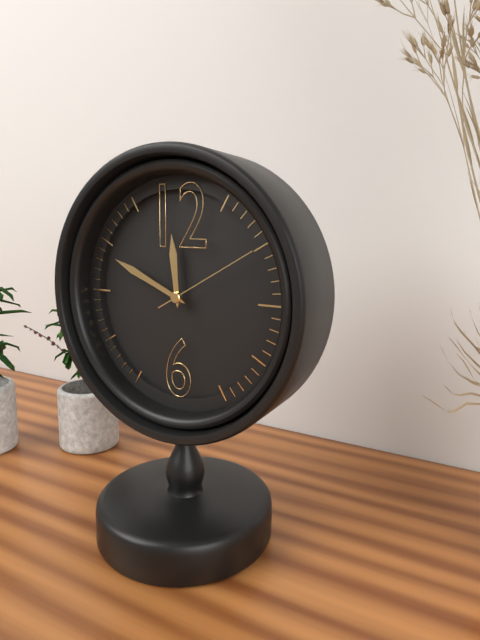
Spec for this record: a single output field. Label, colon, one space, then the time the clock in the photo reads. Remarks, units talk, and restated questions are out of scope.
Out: 11:49:10
